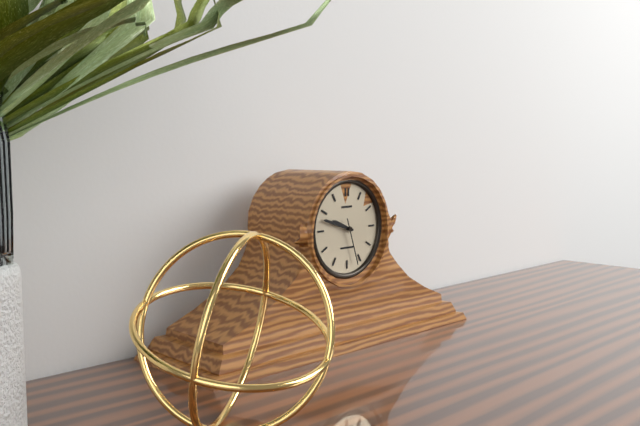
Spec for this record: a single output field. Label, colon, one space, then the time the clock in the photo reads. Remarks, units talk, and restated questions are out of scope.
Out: 9:48
